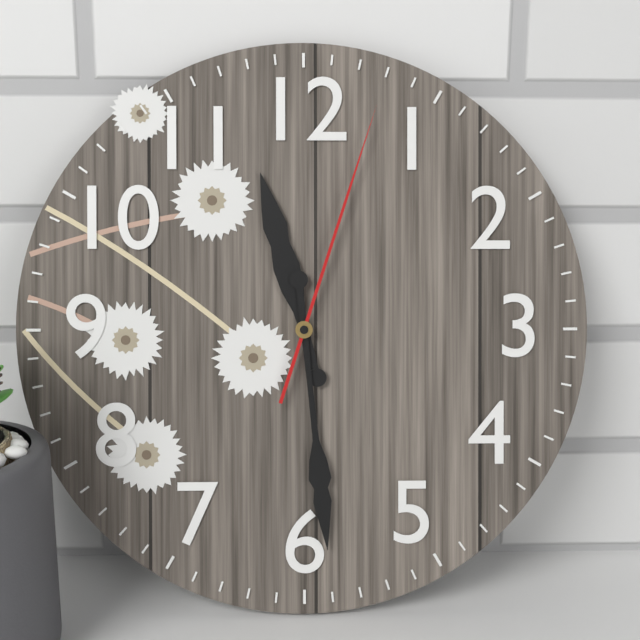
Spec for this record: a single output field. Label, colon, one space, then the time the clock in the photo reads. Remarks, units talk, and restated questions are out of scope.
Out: 11:29:03
